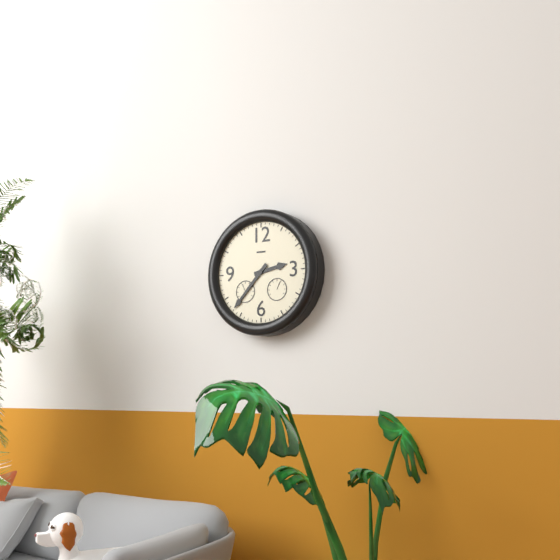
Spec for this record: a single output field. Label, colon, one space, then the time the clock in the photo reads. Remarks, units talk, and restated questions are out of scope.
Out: 2:37
